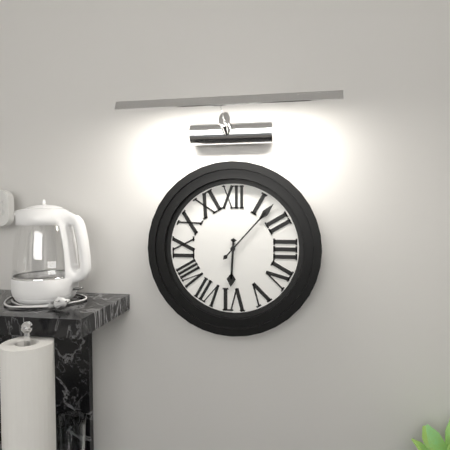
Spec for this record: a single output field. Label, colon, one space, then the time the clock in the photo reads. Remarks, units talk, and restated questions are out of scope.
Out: 6:07
